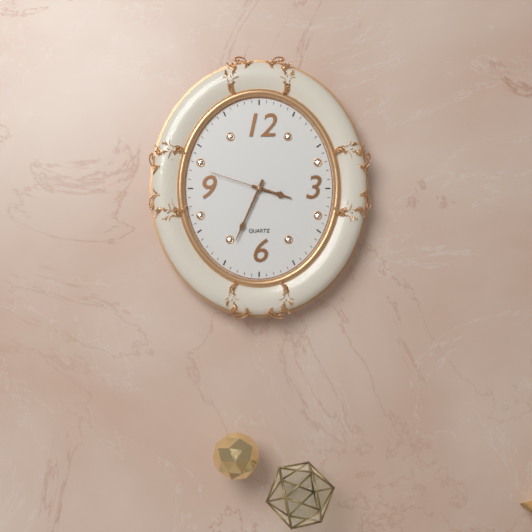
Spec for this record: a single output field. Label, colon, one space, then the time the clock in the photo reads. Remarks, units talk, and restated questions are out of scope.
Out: 3:34:48
